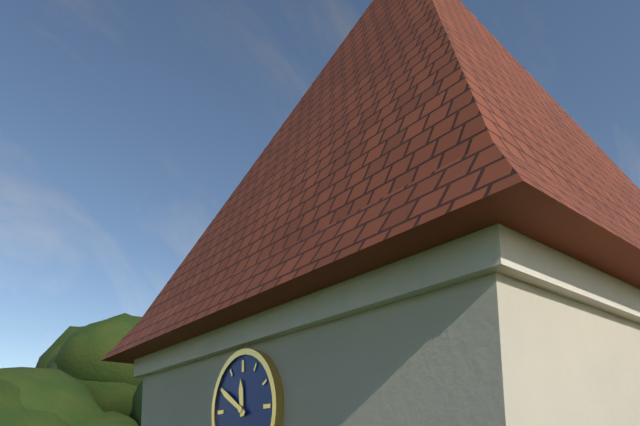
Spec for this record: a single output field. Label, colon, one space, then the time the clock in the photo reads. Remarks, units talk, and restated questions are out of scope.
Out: 11:50
